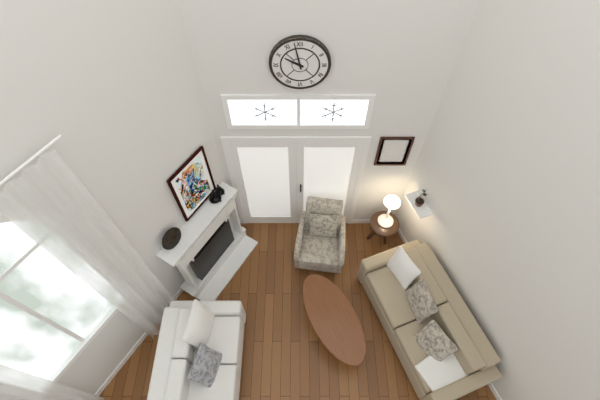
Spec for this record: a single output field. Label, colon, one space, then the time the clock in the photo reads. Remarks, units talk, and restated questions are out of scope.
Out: 9:58
